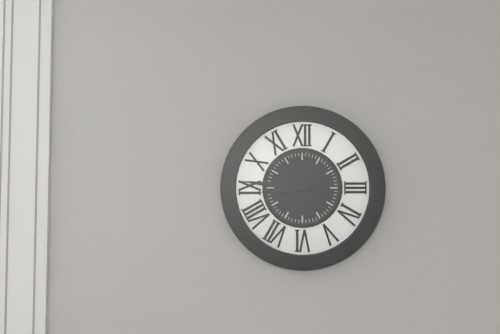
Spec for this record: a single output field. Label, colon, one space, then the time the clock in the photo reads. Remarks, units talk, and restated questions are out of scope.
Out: 8:46
